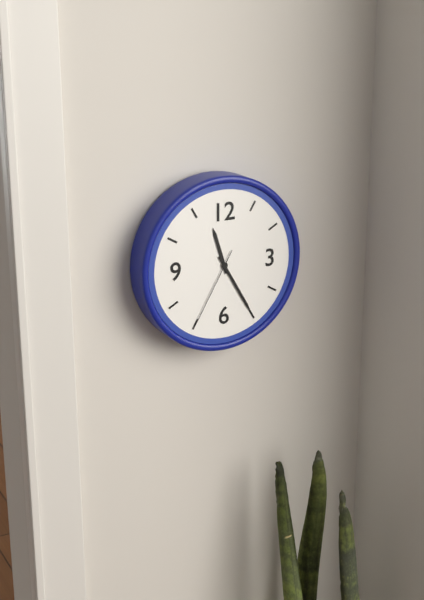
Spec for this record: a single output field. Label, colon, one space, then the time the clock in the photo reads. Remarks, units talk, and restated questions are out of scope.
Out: 11:25:35
